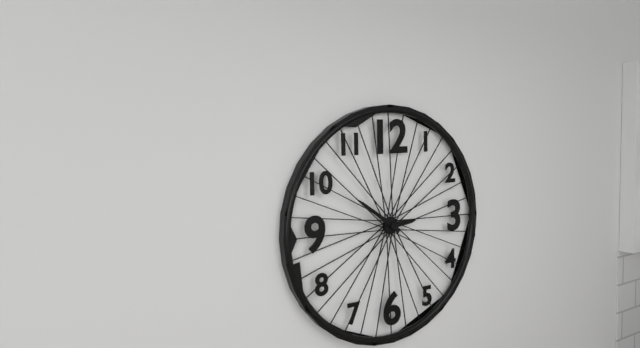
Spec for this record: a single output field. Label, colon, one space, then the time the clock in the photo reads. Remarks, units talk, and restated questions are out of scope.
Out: 2:51
